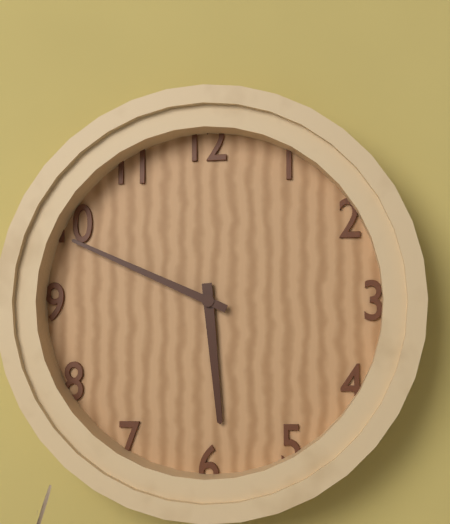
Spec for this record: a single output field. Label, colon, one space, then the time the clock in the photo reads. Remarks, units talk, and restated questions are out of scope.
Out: 5:49
